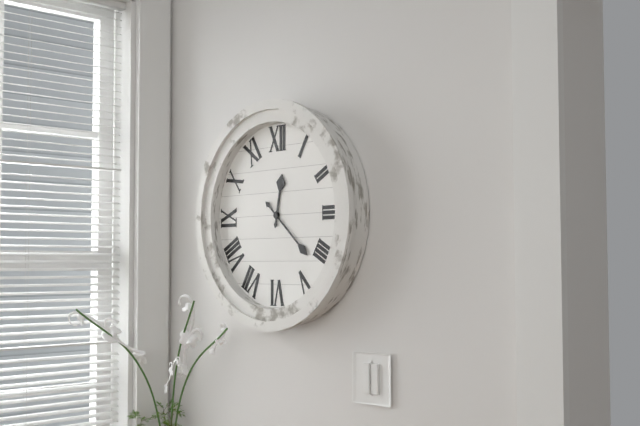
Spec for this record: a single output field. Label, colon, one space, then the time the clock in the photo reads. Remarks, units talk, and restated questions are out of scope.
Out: 12:22
